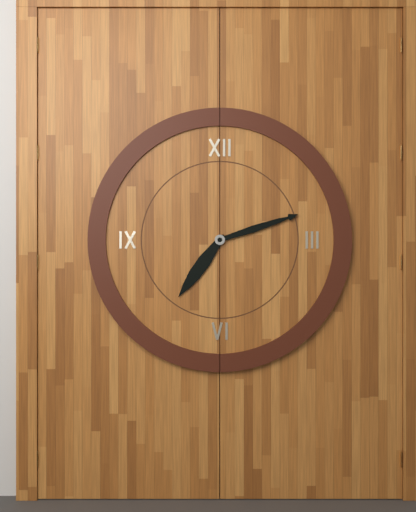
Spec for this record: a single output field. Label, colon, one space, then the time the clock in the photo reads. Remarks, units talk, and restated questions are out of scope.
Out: 7:12
